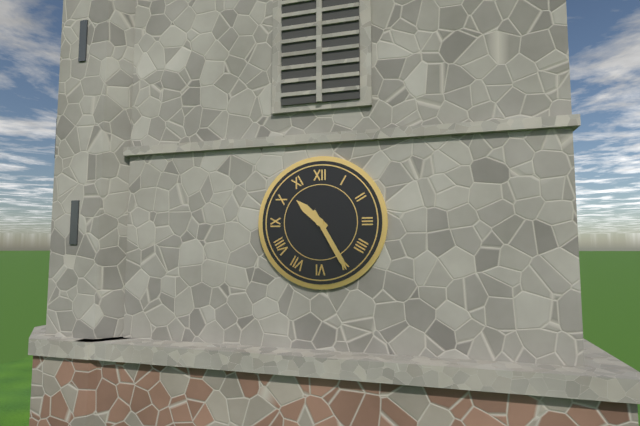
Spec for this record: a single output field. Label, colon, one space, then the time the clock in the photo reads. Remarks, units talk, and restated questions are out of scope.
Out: 10:25
